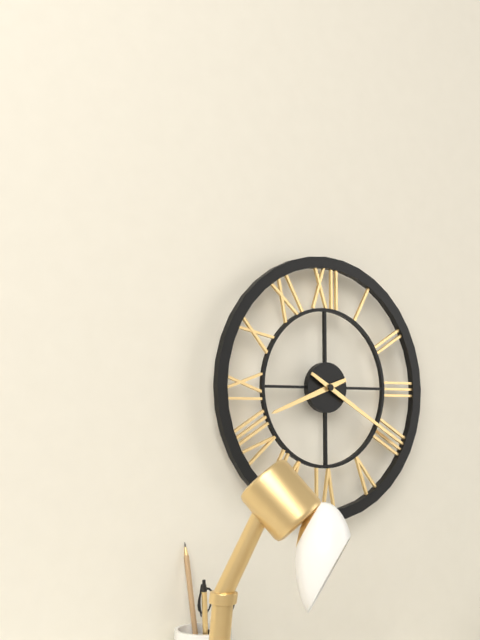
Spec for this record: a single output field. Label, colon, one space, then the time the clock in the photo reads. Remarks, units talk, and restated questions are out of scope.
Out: 8:20
